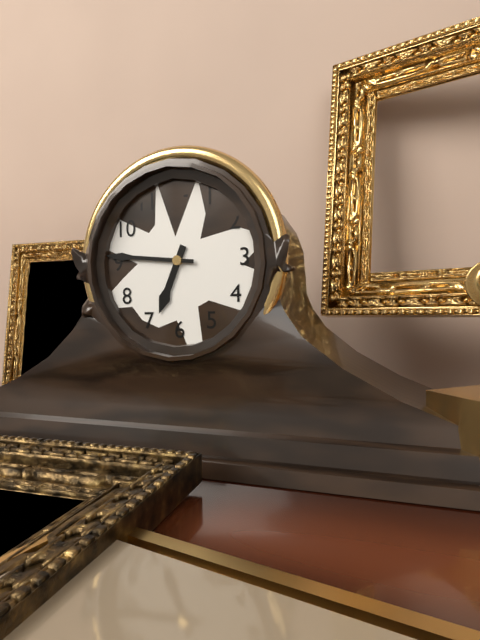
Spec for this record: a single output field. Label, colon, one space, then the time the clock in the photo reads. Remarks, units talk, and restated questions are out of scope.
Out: 6:46
